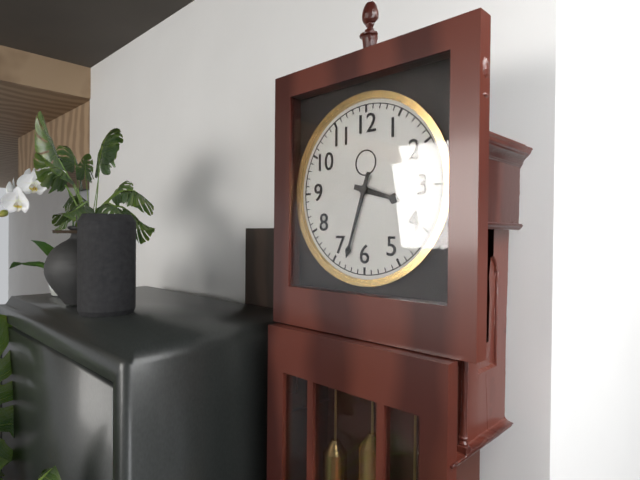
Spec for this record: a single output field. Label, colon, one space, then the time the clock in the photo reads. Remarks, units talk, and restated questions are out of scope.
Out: 3:33
